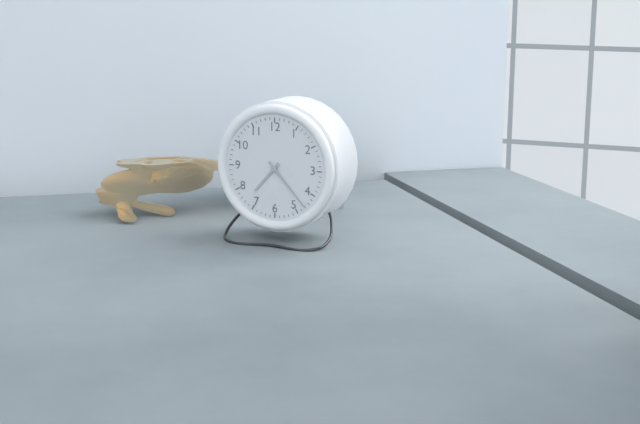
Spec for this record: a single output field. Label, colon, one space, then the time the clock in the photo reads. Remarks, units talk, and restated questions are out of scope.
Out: 7:23
